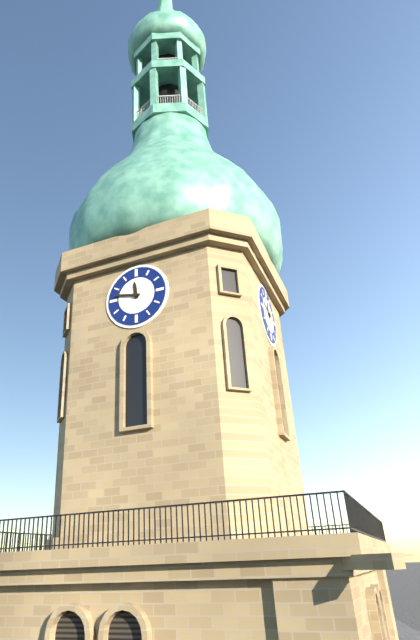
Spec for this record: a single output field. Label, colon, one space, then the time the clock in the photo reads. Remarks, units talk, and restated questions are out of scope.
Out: 11:47
